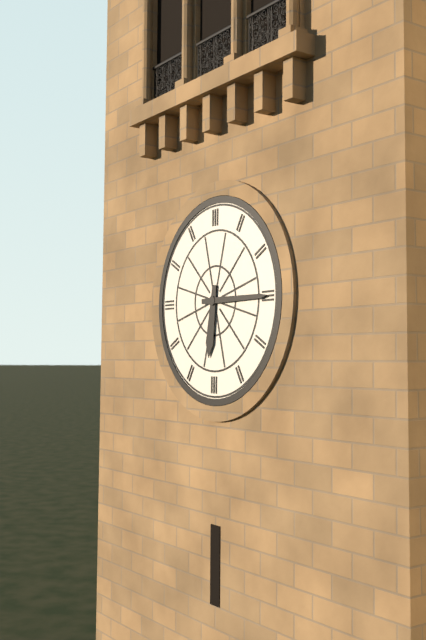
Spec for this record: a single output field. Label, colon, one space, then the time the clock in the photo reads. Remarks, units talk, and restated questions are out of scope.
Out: 6:15
